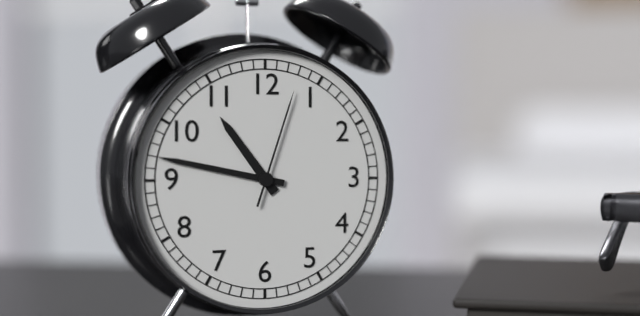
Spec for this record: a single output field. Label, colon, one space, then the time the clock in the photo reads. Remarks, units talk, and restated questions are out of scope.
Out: 10:47:03
